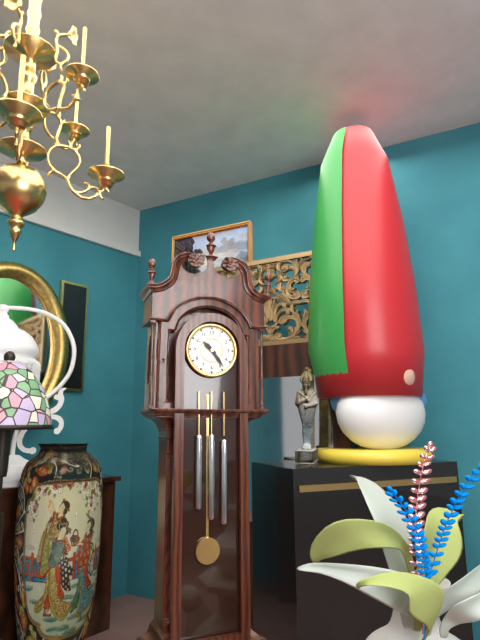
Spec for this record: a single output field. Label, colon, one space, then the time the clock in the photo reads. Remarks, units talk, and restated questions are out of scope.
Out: 10:24
